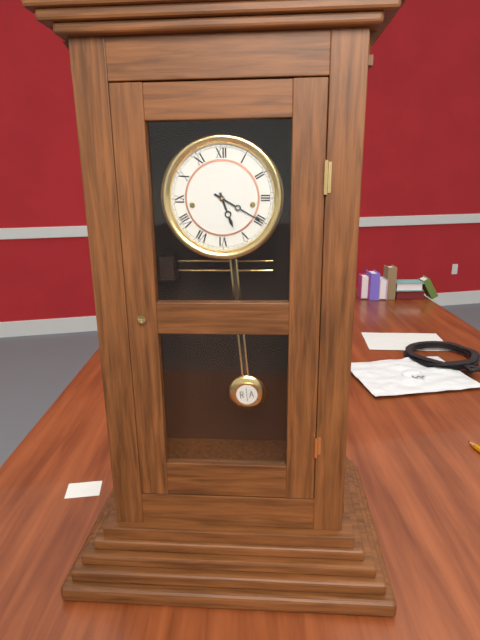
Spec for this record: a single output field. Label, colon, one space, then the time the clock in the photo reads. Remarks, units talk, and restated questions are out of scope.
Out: 5:20
